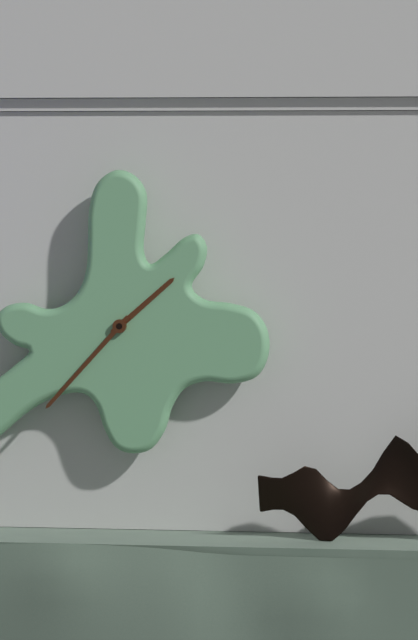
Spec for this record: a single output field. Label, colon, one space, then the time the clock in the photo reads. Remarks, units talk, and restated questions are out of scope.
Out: 1:37
